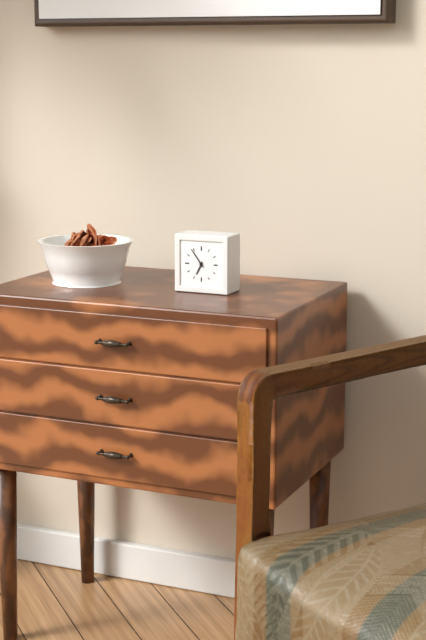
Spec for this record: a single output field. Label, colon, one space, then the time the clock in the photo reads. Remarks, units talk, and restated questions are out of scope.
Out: 6:54
